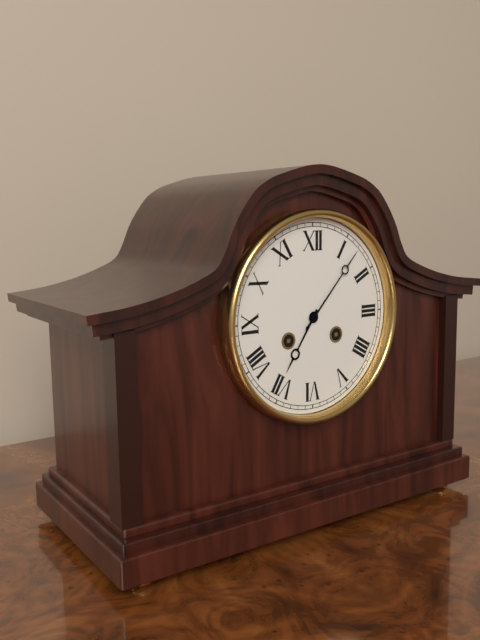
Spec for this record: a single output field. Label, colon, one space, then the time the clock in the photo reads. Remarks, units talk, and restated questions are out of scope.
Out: 7:07
